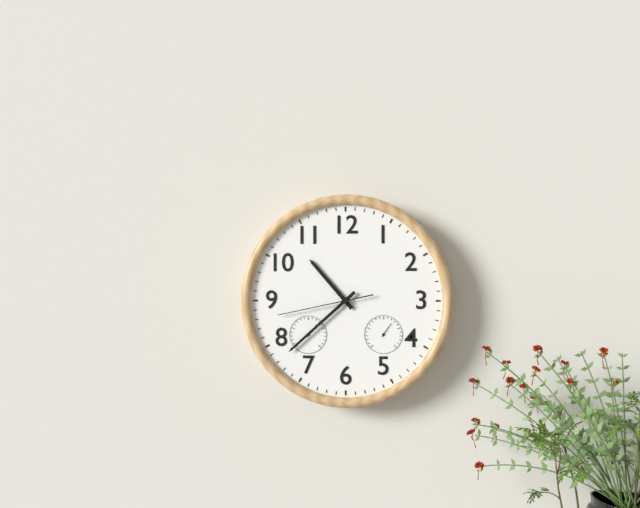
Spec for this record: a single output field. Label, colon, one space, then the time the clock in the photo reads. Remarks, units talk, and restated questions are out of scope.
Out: 10:38:43
